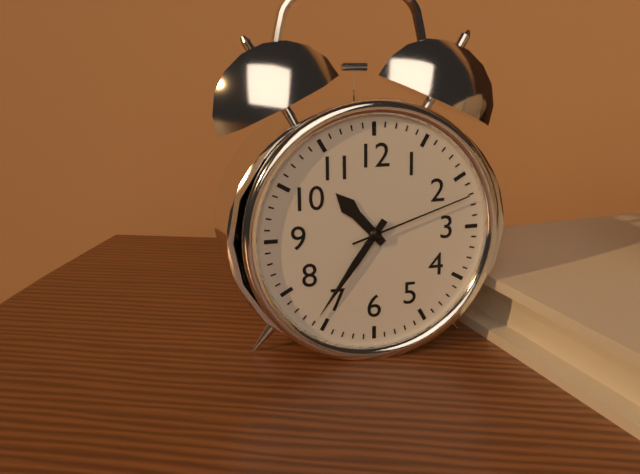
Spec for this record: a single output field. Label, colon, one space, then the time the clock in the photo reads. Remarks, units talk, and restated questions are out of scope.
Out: 10:36:12
